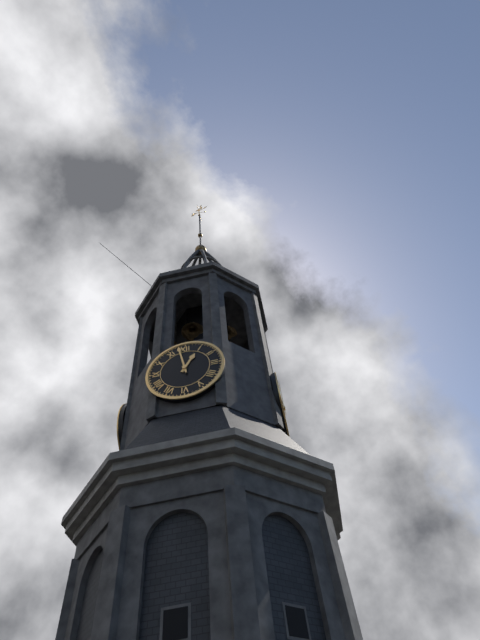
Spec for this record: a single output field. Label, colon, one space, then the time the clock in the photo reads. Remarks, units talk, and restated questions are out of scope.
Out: 12:58
